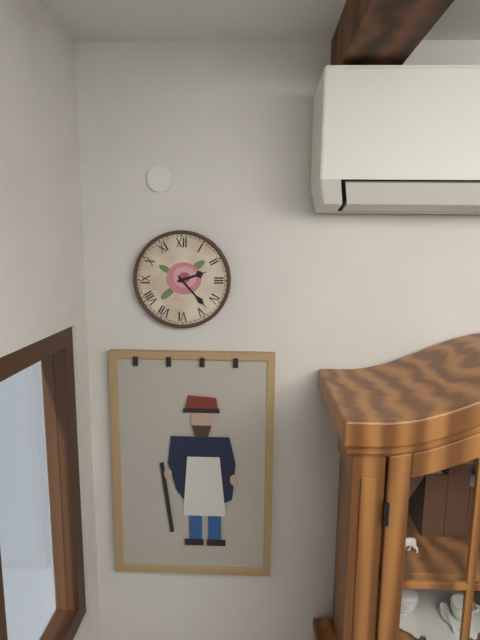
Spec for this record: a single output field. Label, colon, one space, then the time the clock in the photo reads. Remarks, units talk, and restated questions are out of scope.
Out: 2:23
